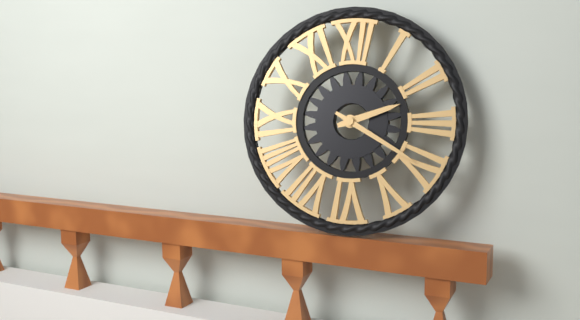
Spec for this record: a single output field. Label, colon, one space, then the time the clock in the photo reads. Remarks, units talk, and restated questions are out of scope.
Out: 2:20
